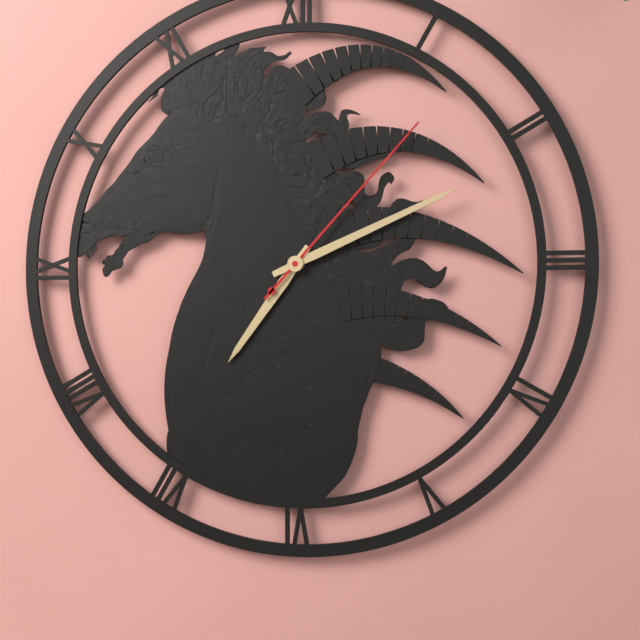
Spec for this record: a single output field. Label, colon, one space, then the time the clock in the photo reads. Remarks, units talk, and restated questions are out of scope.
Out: 7:11:07
